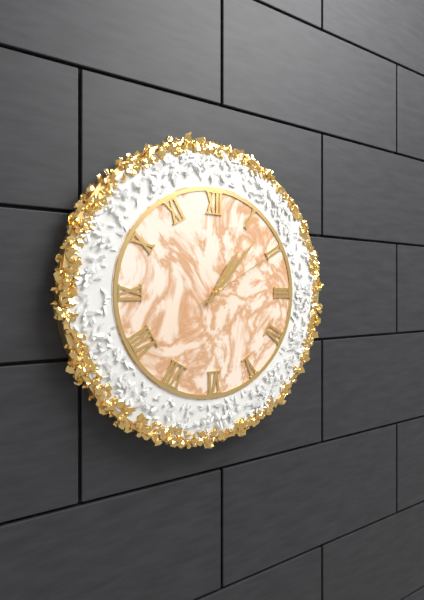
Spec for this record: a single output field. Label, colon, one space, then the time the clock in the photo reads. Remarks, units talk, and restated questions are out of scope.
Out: 1:07:10
